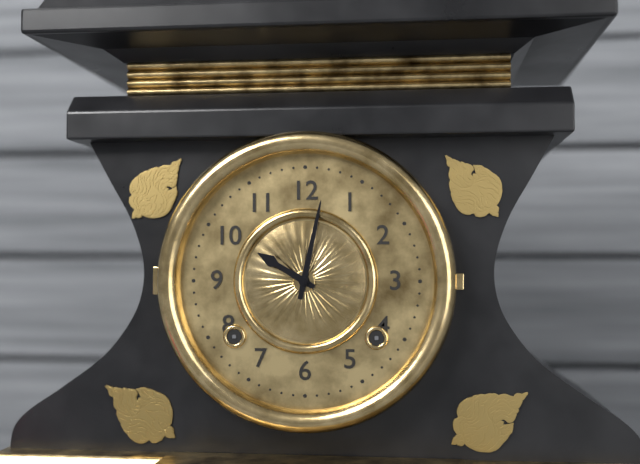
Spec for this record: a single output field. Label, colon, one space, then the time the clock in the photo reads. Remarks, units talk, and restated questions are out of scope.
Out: 10:02
